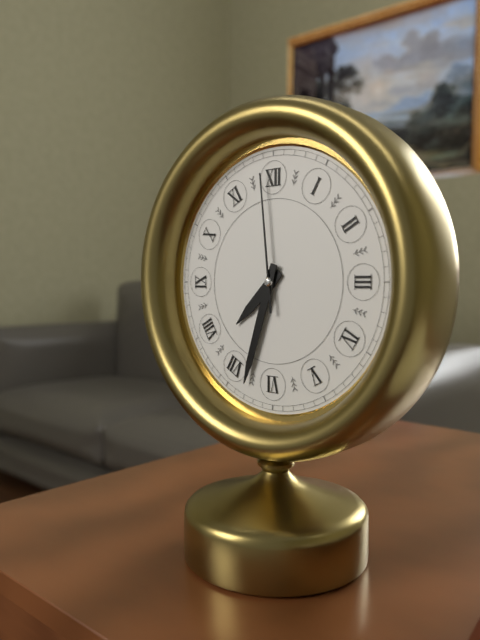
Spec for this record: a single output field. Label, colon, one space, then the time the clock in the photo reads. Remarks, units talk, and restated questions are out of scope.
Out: 7:33:59
